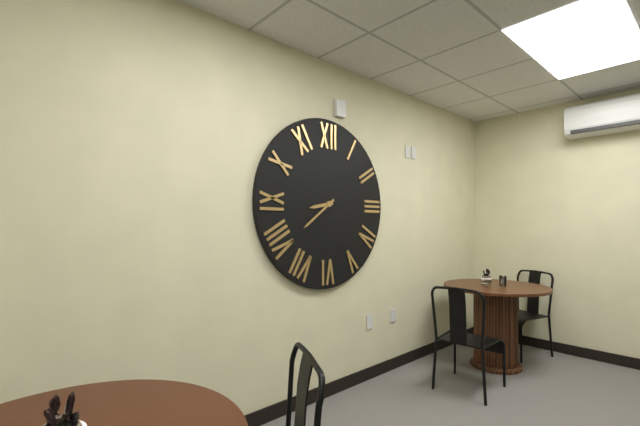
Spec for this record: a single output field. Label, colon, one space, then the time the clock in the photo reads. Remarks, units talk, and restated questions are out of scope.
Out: 8:39
